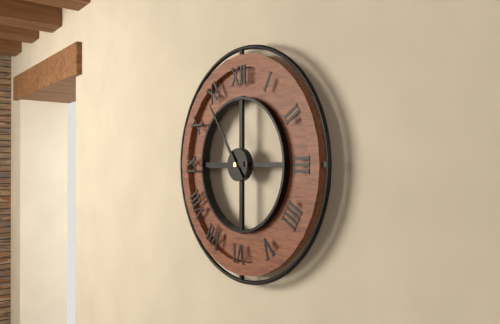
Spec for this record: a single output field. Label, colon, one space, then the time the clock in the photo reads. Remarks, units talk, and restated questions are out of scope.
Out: 8:54
